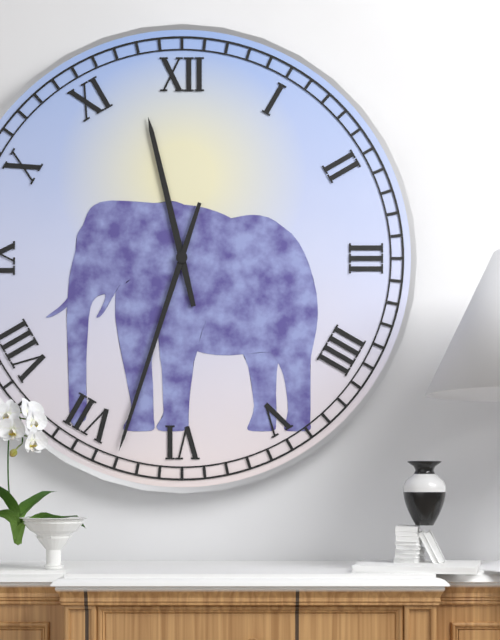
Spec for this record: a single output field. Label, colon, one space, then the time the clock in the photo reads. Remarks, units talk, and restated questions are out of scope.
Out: 11:33
